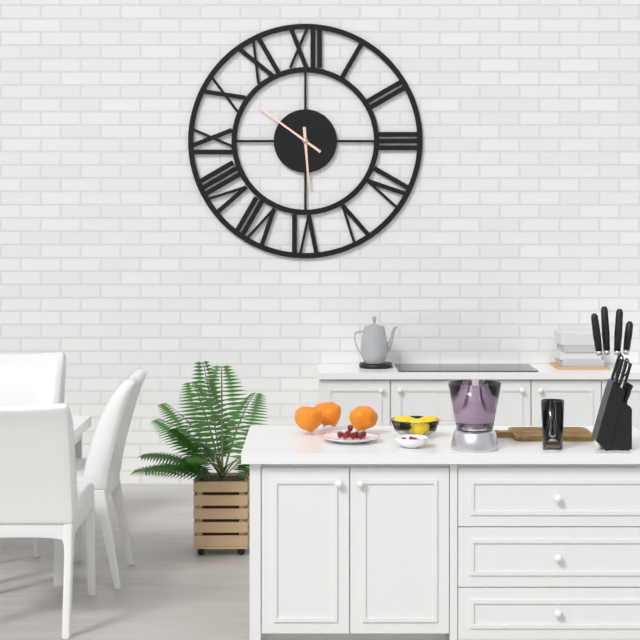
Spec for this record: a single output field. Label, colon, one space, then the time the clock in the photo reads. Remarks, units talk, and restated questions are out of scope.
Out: 5:51
